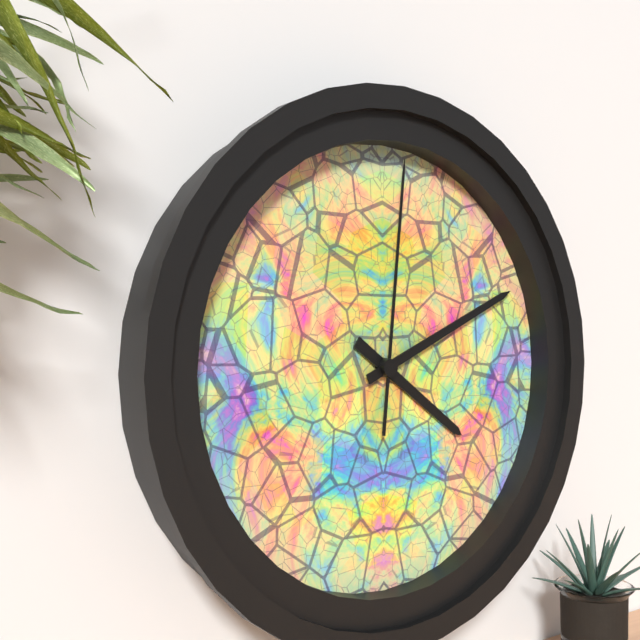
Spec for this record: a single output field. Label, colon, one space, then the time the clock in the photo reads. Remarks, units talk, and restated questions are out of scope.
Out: 4:11:01
